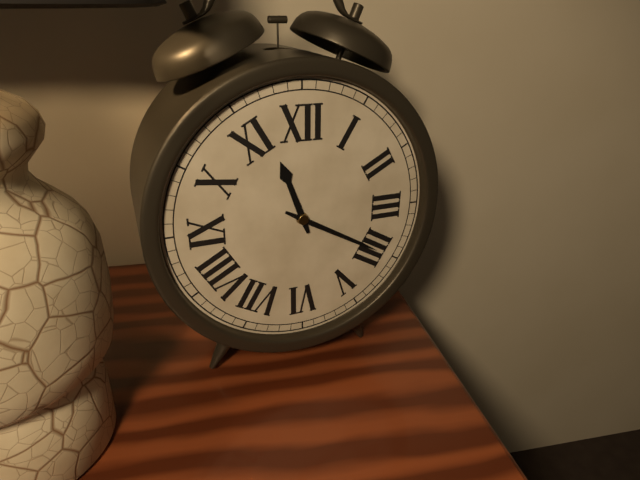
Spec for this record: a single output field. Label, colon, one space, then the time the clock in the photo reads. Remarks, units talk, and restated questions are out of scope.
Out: 11:20
